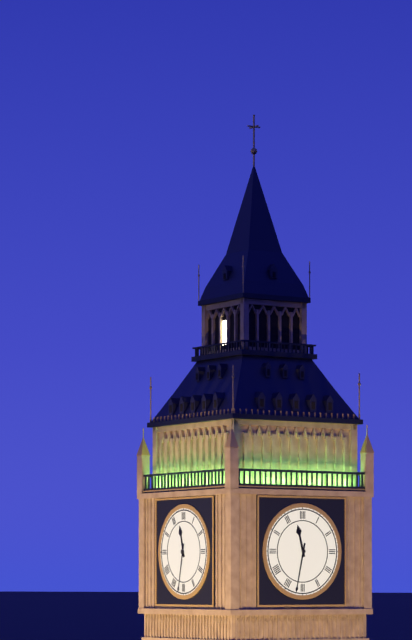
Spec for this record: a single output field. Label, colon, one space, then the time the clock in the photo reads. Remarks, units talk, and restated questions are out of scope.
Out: 11:32
